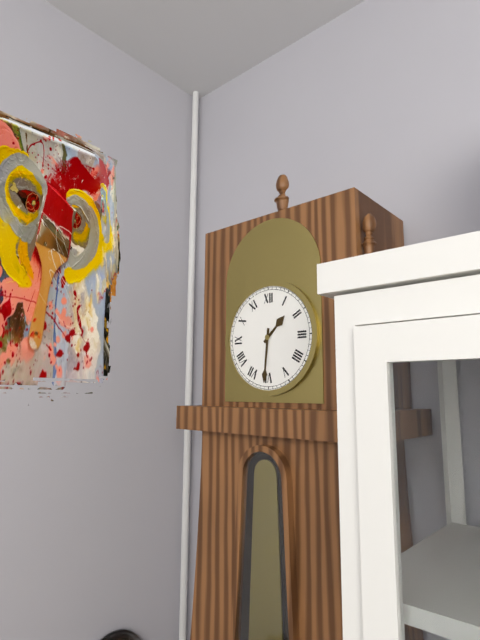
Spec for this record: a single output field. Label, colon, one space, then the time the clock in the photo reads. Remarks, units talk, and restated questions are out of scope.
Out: 1:31
